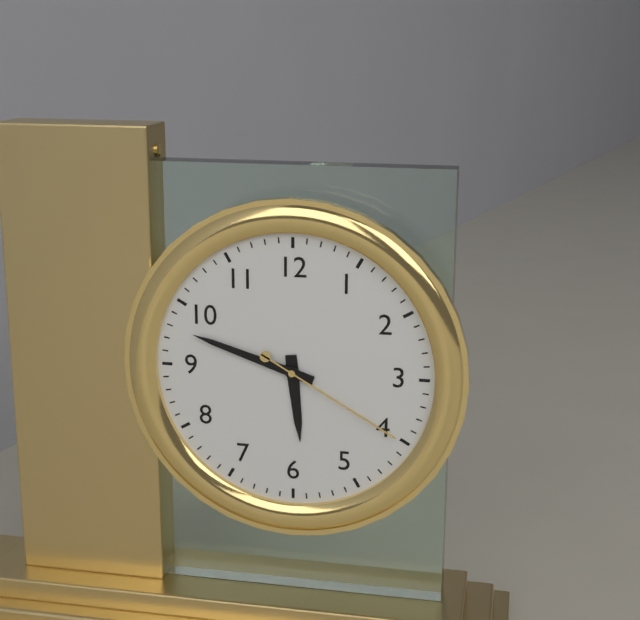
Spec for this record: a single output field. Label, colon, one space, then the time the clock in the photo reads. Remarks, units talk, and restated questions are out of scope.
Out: 5:48:20
